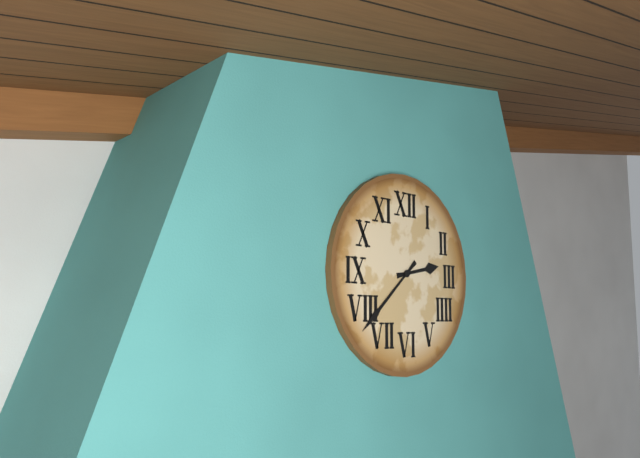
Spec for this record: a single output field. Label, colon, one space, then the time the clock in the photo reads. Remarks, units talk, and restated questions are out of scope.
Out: 2:38
